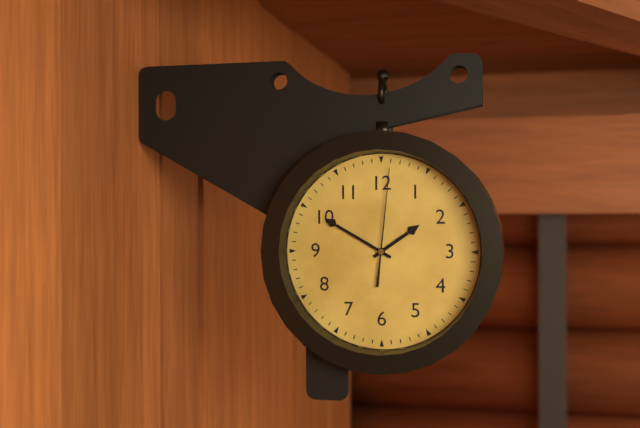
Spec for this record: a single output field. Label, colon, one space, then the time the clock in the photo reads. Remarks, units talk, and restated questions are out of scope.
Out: 1:50:01
